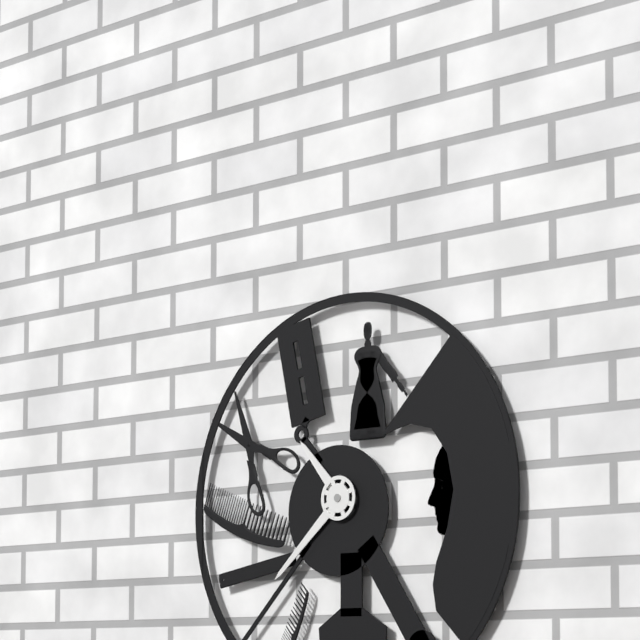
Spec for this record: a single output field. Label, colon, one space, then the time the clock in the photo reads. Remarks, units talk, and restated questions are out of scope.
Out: 10:38
